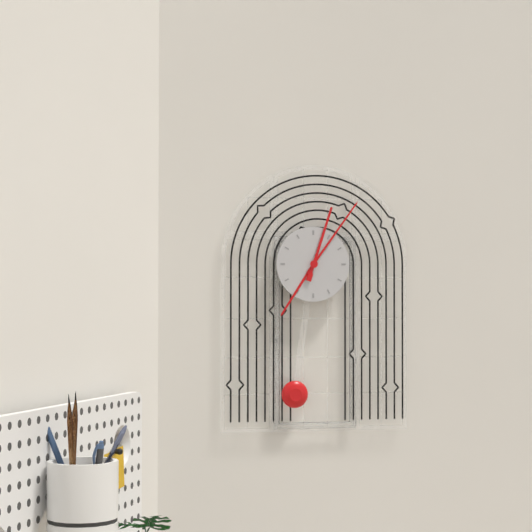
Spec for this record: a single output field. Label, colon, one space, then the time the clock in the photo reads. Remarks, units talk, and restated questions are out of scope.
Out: 7:06:03
